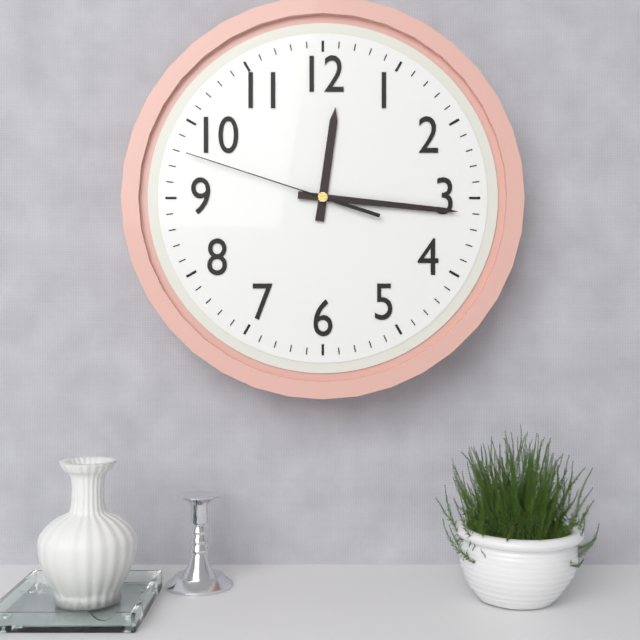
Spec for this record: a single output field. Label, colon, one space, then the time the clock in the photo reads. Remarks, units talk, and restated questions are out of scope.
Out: 12:16:48
